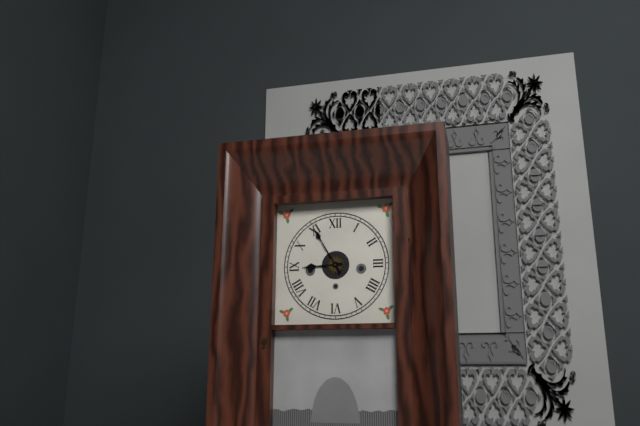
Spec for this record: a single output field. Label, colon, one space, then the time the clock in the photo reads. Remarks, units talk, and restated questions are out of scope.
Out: 8:55
